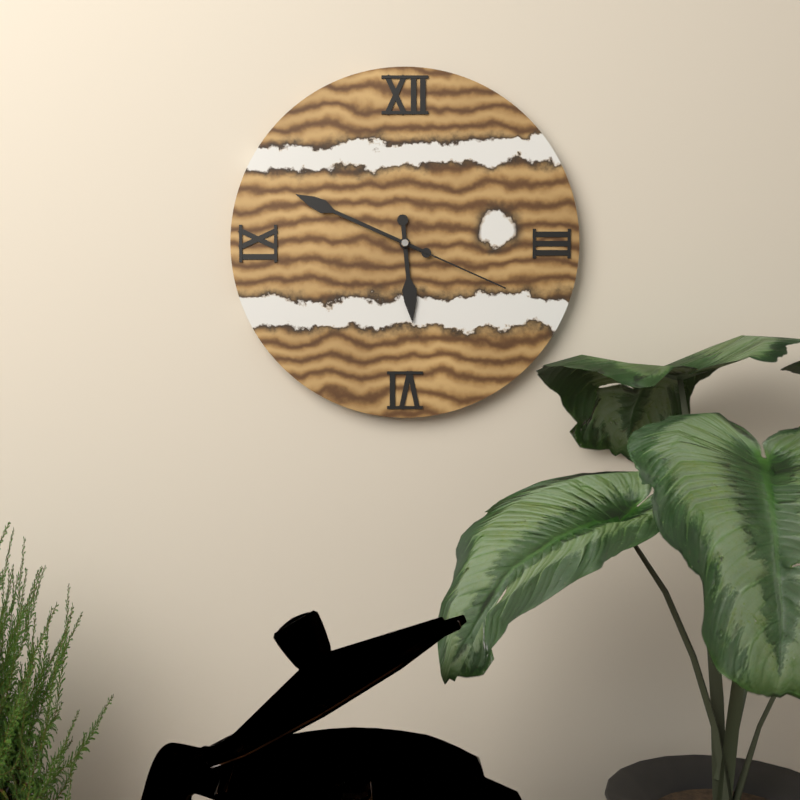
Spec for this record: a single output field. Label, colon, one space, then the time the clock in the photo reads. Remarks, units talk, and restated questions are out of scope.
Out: 5:49:19
